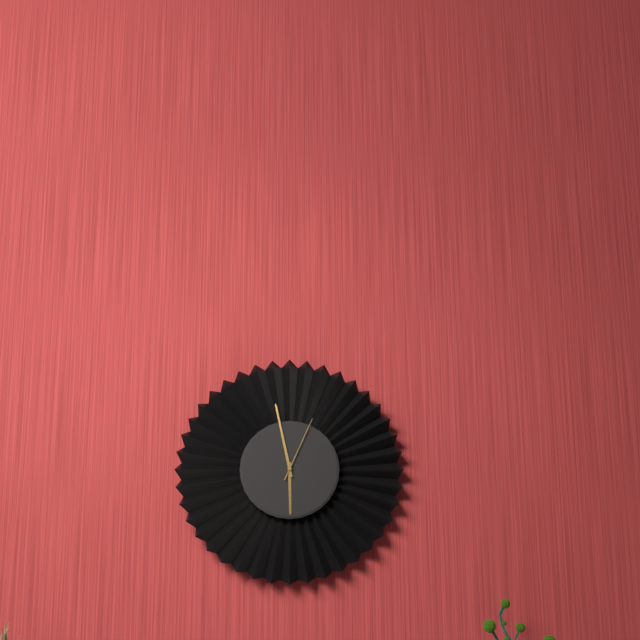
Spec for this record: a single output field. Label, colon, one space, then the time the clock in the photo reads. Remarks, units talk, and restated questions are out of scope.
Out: 5:58:04
